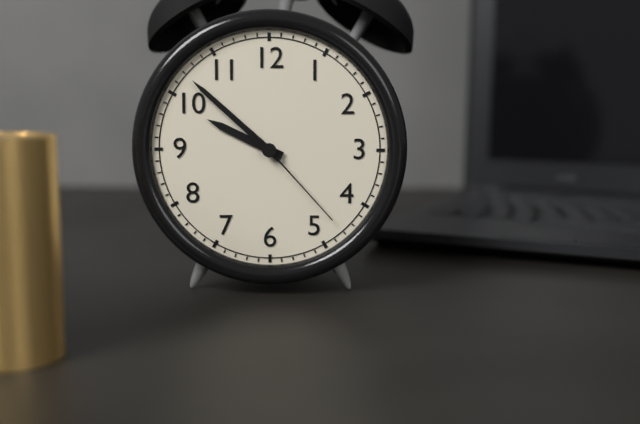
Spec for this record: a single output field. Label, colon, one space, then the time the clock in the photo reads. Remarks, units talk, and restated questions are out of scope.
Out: 9:52:23
